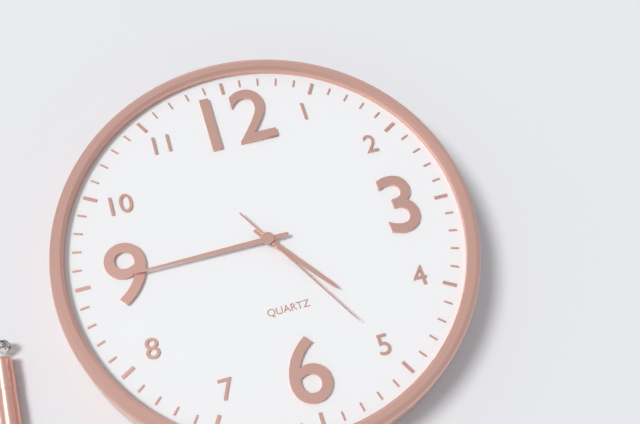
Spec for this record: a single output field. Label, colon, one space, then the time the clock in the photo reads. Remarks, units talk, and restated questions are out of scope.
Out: 4:45:25
